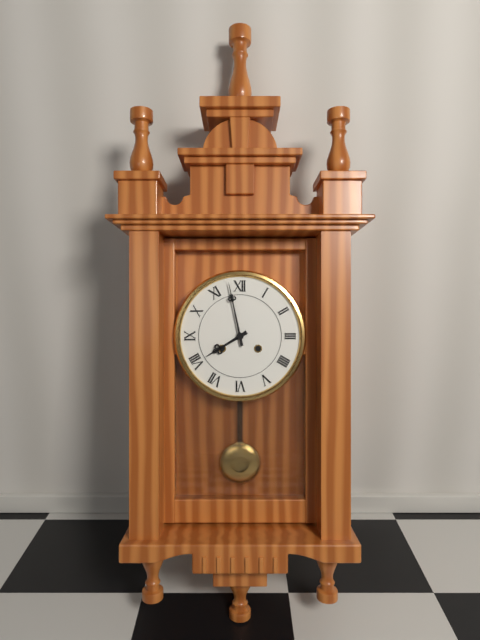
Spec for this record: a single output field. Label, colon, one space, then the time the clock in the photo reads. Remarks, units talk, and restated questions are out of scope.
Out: 7:58
